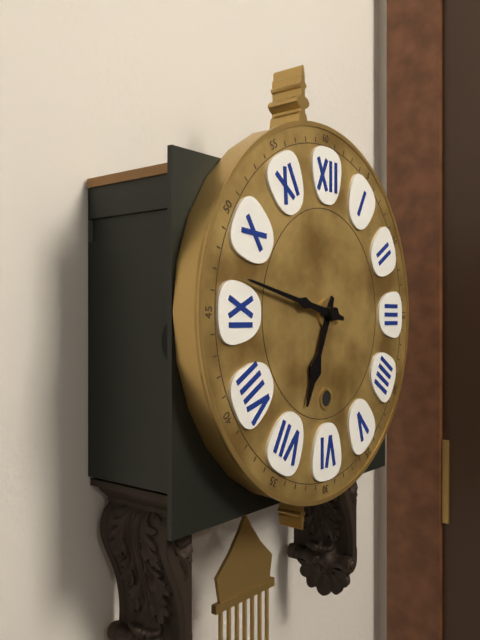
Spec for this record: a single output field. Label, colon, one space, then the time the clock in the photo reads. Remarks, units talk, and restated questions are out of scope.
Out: 6:47
